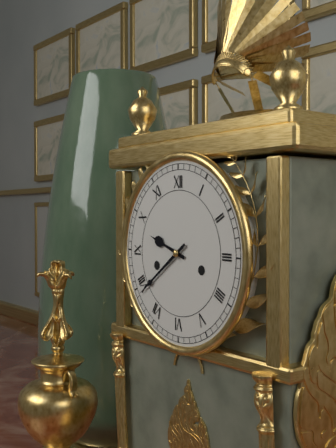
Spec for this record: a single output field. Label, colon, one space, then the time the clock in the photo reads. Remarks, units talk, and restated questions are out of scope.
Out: 9:39
